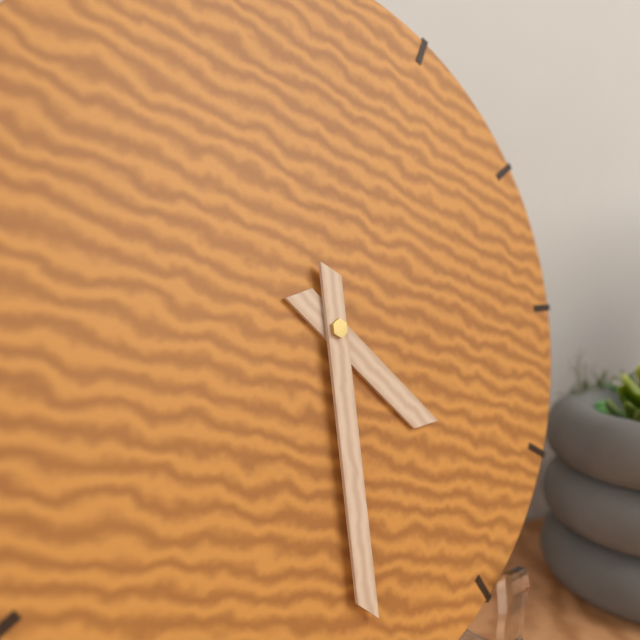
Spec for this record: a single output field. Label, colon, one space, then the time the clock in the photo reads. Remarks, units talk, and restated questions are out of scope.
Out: 4:30
